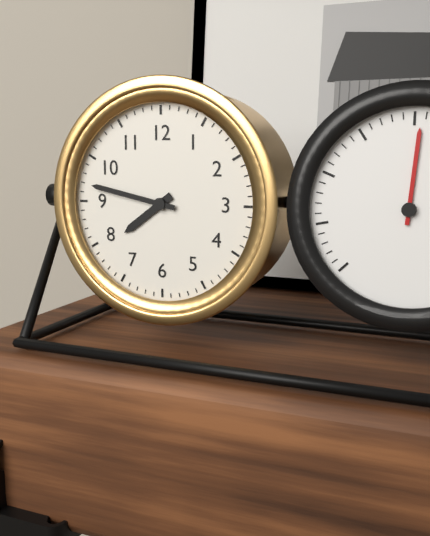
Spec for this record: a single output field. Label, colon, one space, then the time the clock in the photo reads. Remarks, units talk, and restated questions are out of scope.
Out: 7:47
